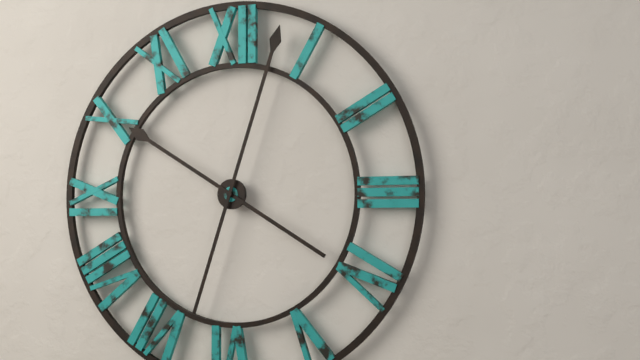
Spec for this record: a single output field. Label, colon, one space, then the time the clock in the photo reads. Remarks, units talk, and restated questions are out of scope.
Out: 10:03
